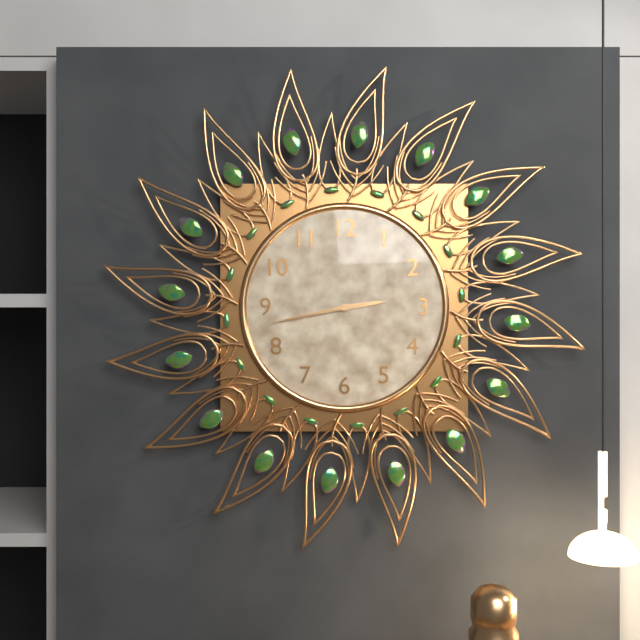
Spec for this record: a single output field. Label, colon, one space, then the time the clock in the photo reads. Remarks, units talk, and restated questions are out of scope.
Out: 2:43:43
